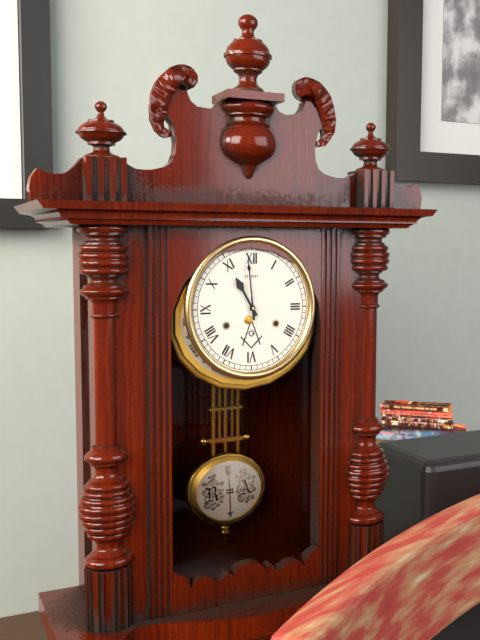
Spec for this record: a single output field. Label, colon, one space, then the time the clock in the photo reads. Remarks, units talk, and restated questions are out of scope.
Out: 10:59
